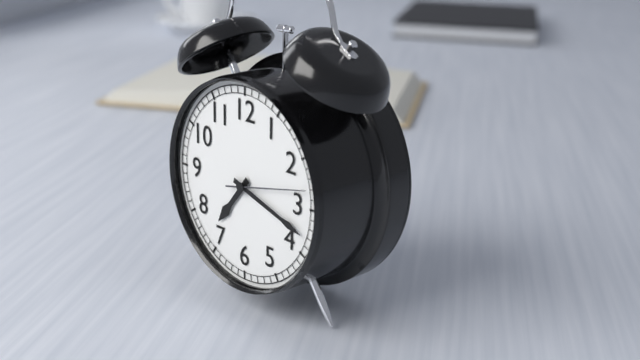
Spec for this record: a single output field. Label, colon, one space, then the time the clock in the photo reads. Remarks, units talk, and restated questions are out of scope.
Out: 7:18:13
